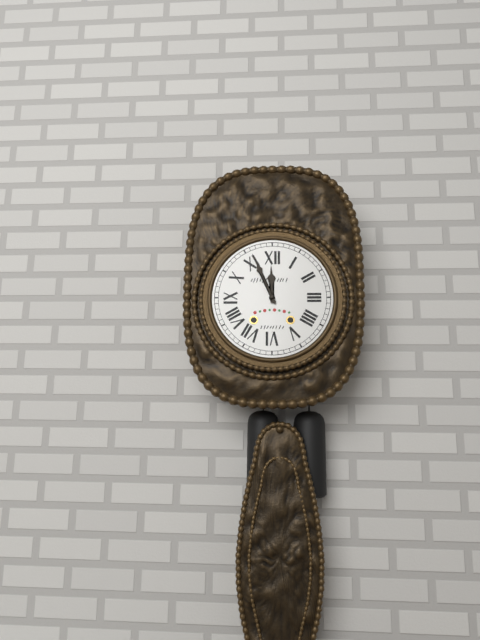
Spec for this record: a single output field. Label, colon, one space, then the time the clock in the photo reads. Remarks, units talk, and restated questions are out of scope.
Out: 11:56
